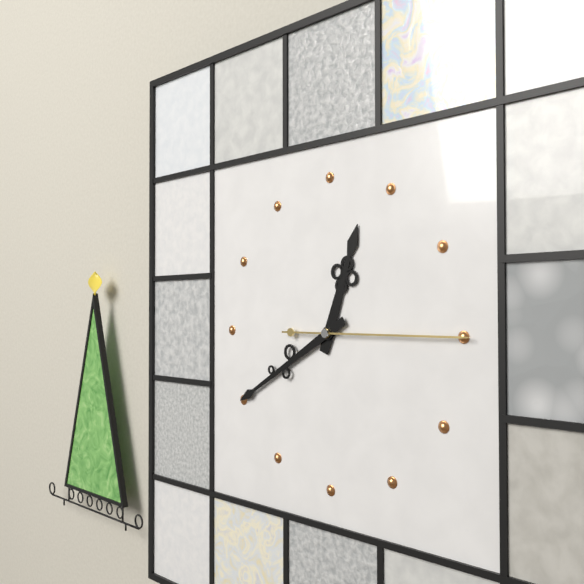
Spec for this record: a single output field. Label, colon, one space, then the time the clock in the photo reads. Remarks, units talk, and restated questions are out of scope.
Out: 12:40:15
